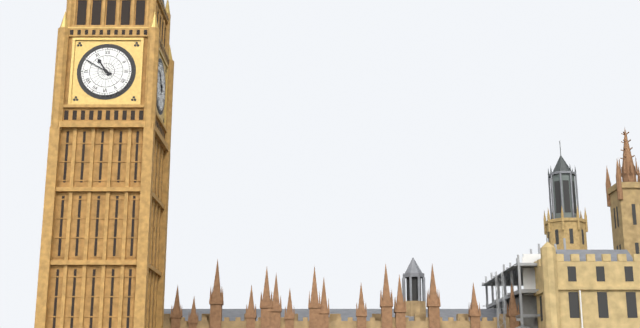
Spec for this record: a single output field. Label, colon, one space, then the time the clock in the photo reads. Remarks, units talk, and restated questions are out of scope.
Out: 10:50
